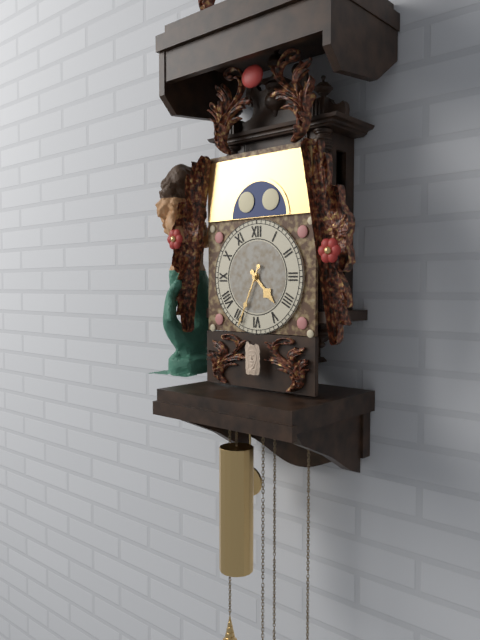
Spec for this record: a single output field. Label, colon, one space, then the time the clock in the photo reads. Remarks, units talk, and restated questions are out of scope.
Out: 4:34
